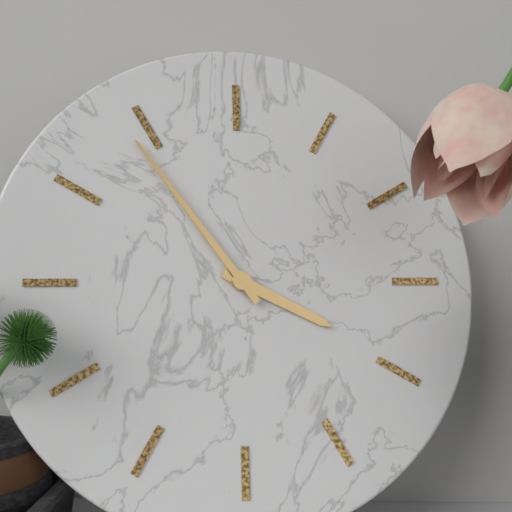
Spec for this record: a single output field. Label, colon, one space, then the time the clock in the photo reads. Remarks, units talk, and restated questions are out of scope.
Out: 3:54
